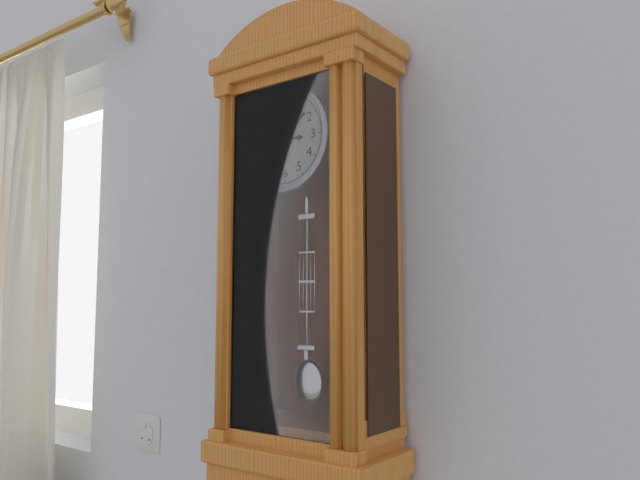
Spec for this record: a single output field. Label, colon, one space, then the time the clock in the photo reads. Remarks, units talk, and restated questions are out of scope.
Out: 3:08
